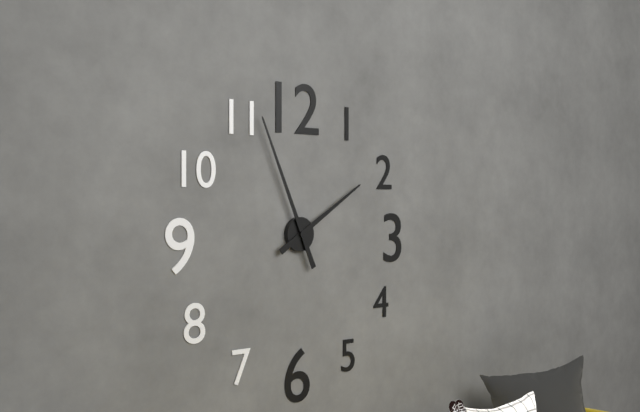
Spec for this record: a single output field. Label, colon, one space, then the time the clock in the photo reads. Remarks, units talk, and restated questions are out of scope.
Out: 1:56
